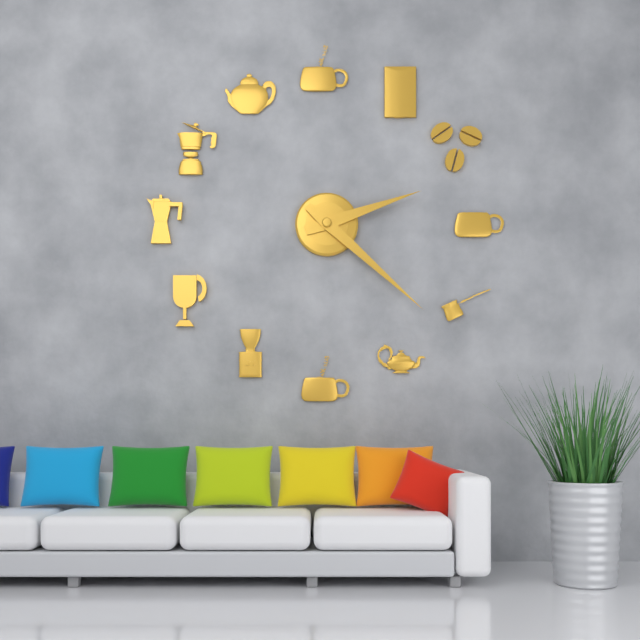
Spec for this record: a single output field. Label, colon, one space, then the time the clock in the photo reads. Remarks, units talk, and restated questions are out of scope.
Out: 2:22
